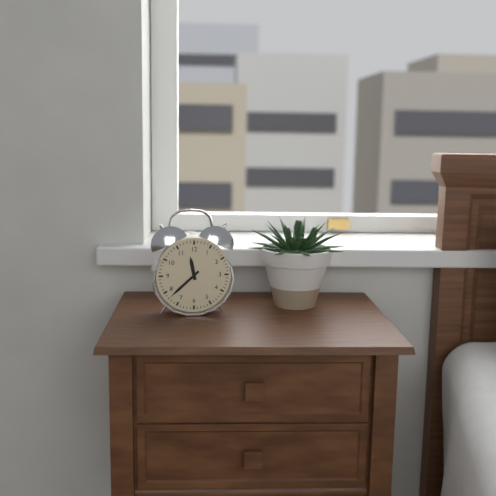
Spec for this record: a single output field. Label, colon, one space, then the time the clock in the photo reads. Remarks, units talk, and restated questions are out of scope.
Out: 11:38
